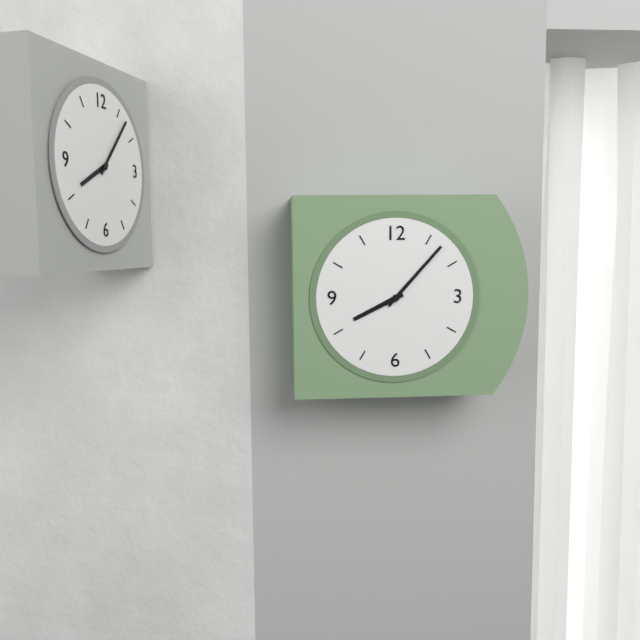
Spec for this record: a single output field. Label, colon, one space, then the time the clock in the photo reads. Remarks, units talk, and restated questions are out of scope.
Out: 8:07
